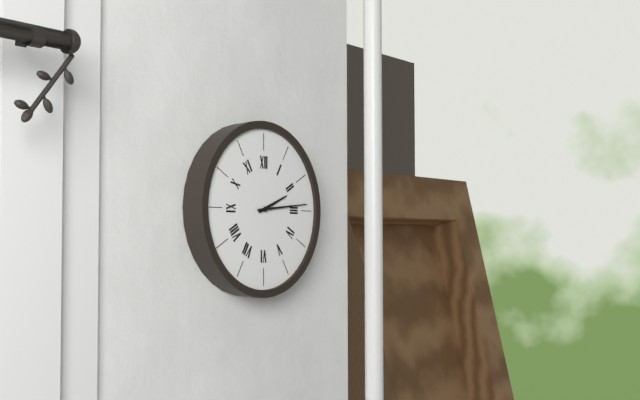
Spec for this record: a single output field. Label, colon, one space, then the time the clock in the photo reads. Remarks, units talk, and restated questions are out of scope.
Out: 2:14
